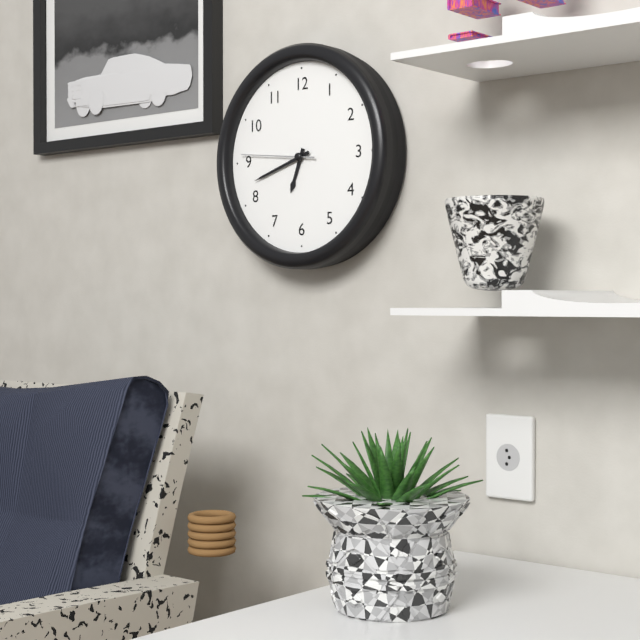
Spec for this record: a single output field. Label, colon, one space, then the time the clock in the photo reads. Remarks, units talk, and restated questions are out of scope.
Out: 6:42:46
